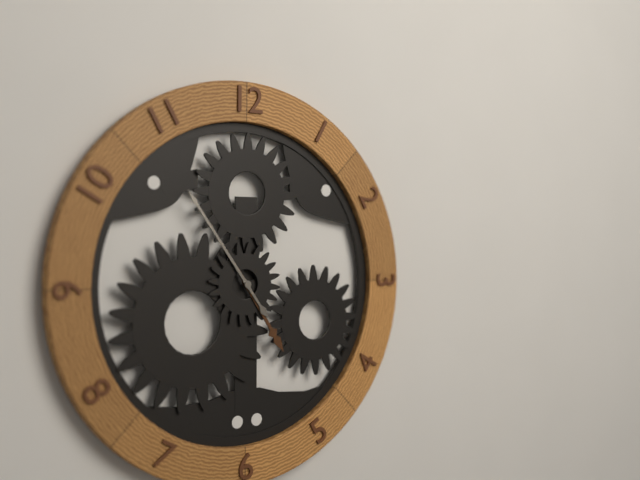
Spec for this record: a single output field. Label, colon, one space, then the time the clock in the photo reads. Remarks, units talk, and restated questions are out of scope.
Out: 4:54
